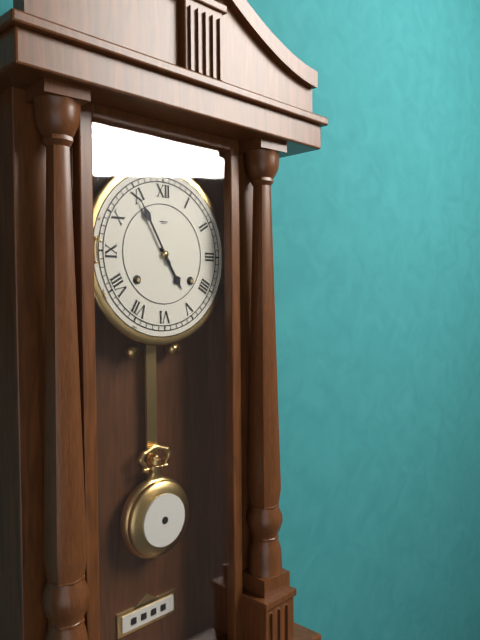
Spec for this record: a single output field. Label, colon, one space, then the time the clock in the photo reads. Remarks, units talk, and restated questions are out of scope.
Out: 4:55
